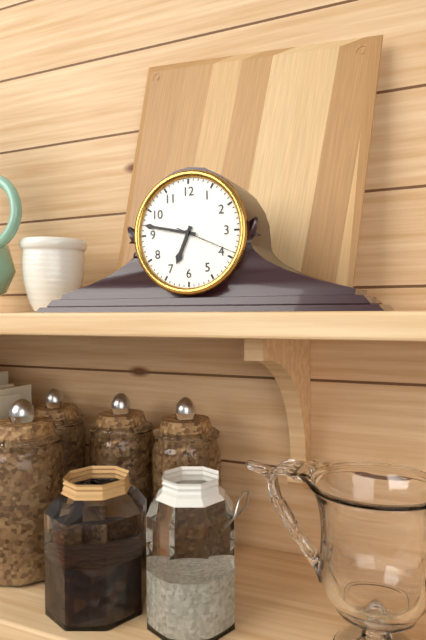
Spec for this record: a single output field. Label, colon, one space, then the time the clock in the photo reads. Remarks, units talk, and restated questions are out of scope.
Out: 6:47:19
